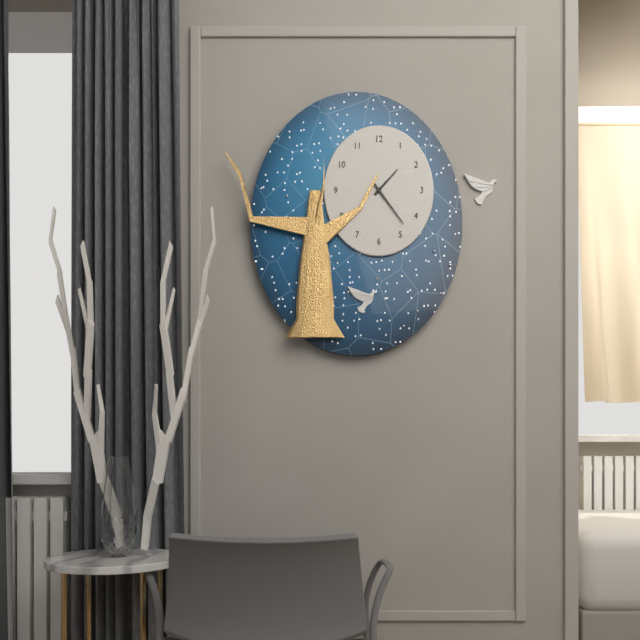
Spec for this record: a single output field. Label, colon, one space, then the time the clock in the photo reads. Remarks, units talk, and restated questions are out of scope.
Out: 1:24
